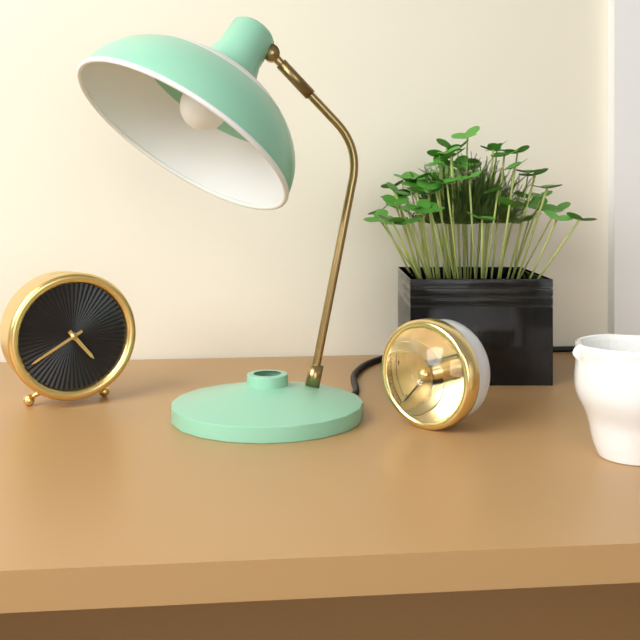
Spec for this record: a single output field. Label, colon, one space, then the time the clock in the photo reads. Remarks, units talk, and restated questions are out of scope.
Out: 4:40
